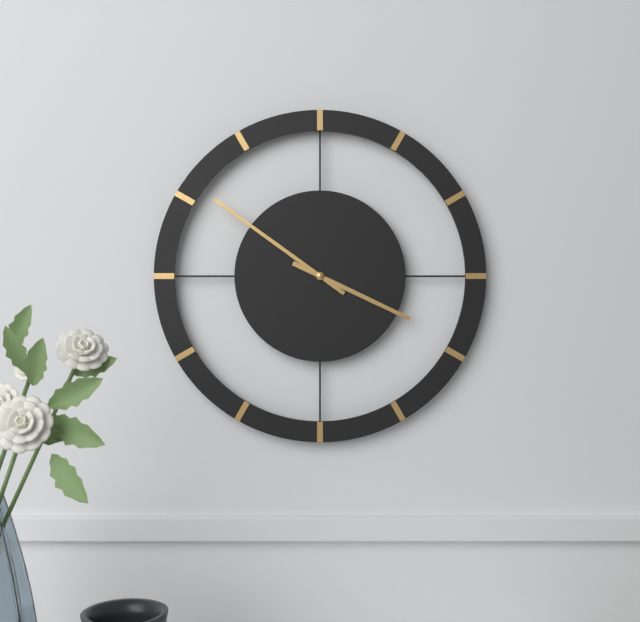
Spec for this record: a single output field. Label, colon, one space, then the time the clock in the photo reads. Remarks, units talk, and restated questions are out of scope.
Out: 3:51
